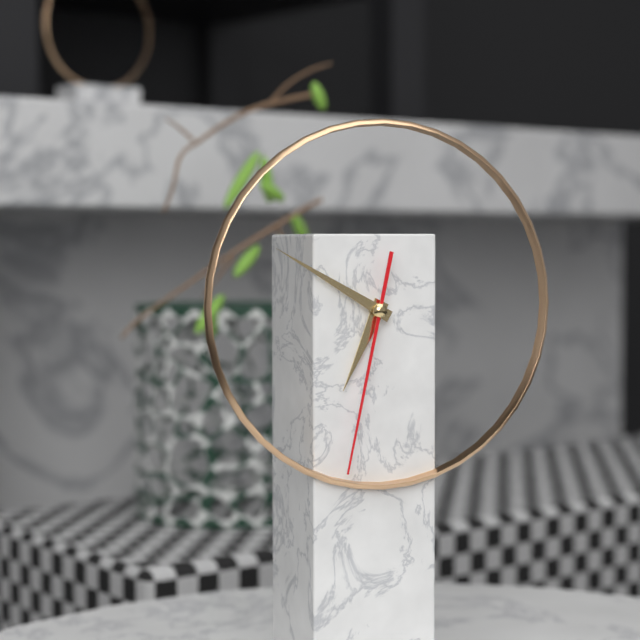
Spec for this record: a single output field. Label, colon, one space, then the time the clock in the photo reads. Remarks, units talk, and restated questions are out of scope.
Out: 6:50:32
